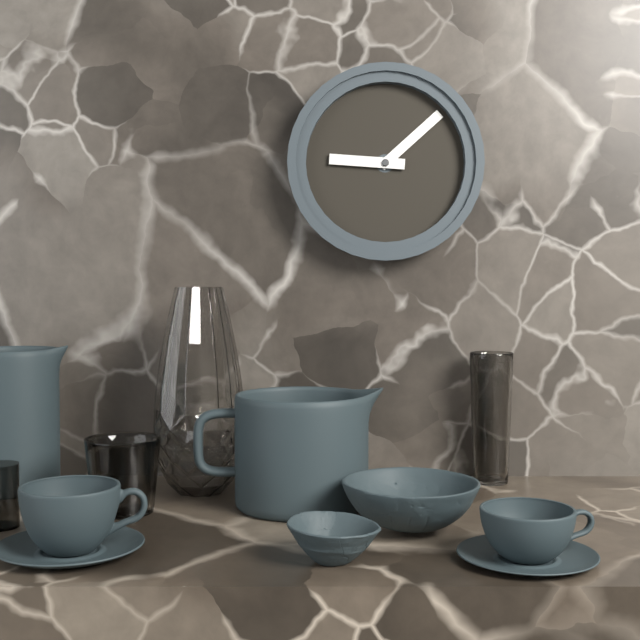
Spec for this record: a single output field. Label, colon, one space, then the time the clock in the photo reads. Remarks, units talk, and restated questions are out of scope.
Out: 9:08
